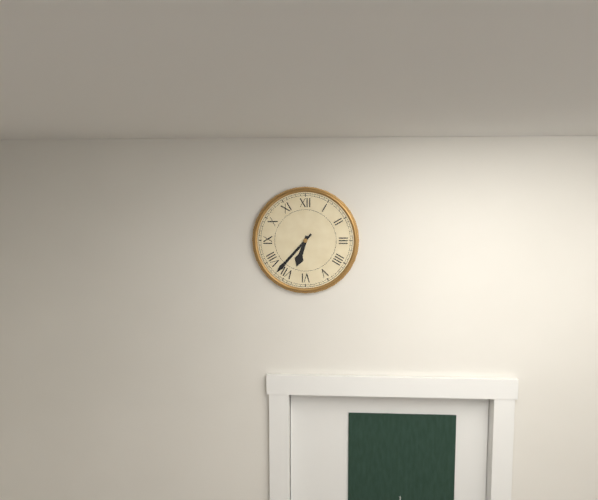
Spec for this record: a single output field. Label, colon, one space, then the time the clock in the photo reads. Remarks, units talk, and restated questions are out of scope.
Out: 6:37
